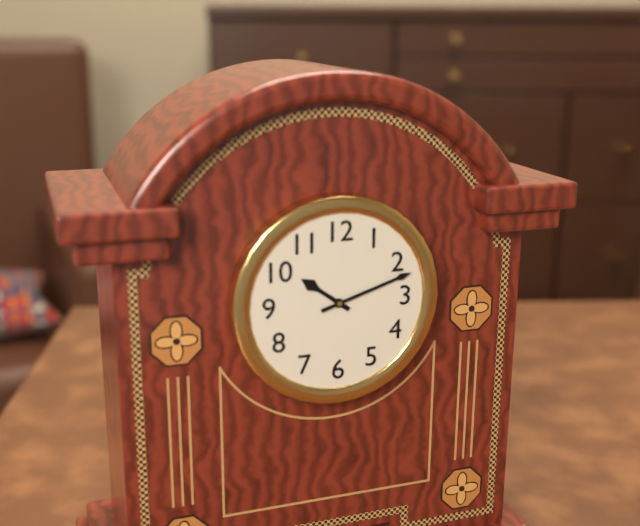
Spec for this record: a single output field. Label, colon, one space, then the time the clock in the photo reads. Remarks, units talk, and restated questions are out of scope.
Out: 10:12
